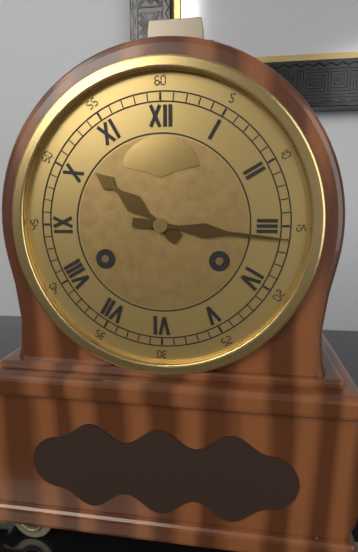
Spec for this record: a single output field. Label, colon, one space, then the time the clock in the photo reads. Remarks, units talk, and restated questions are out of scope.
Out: 10:16
